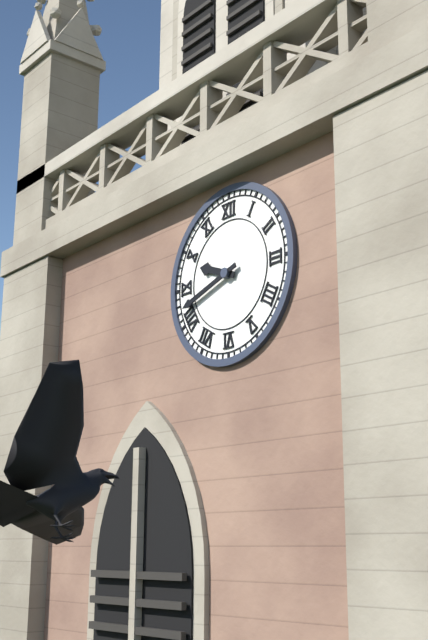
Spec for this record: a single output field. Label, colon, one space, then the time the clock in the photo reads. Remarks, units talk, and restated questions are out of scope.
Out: 9:42
